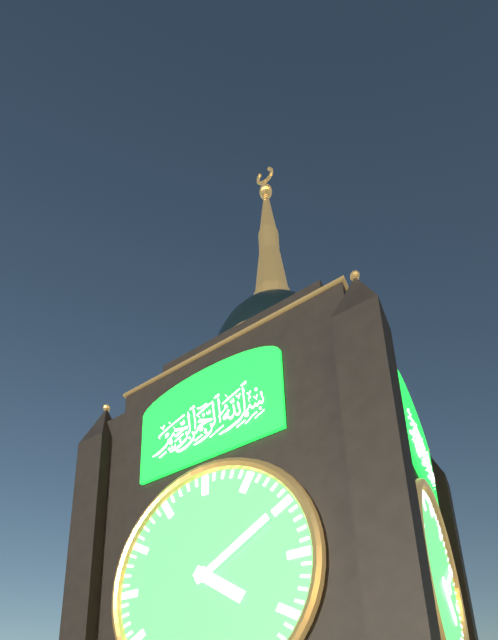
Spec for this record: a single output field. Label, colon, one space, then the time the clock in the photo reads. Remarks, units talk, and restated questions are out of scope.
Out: 4:10
